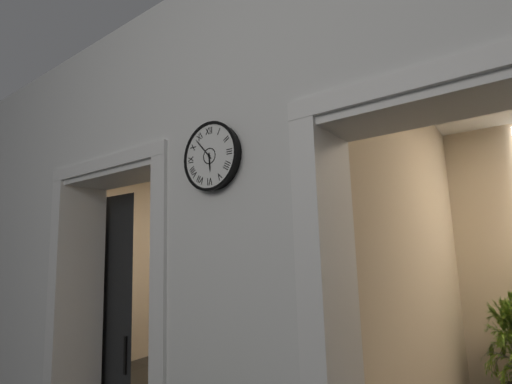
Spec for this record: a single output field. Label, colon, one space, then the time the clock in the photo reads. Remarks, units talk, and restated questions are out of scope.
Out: 5:53
